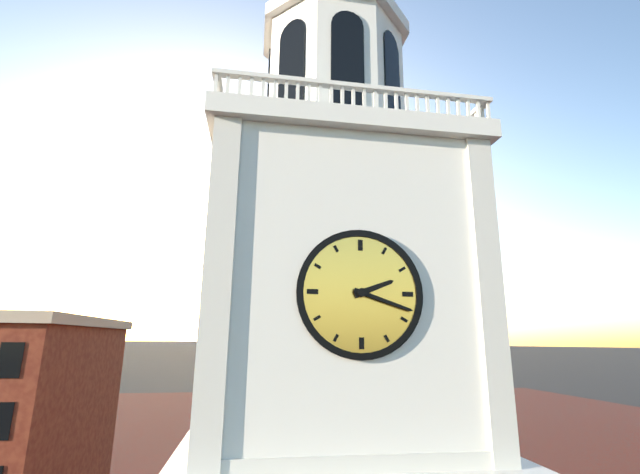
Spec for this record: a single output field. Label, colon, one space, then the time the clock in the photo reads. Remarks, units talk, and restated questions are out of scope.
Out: 2:18
